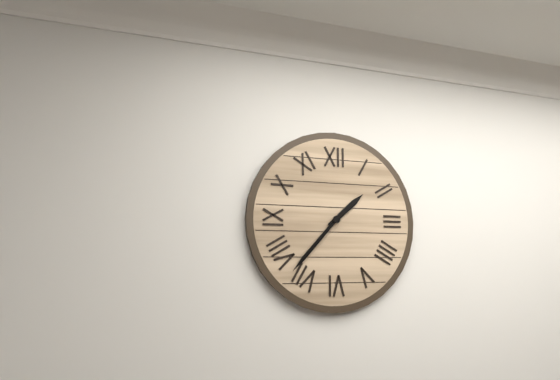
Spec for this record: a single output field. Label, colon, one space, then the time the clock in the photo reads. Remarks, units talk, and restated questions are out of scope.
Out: 1:37
